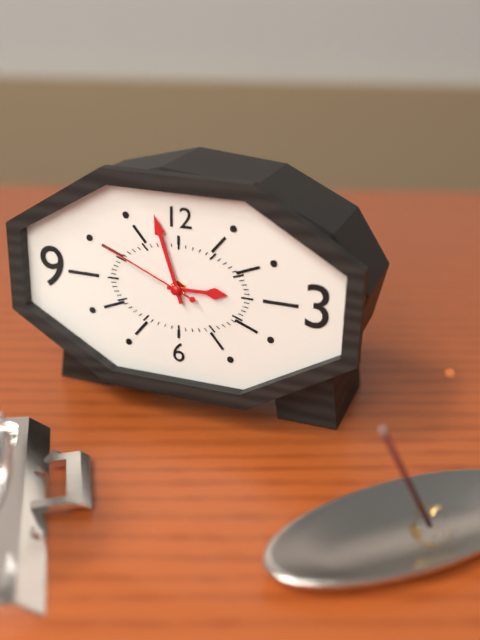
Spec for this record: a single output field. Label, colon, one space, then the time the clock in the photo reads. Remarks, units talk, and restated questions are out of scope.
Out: 2:57:49
